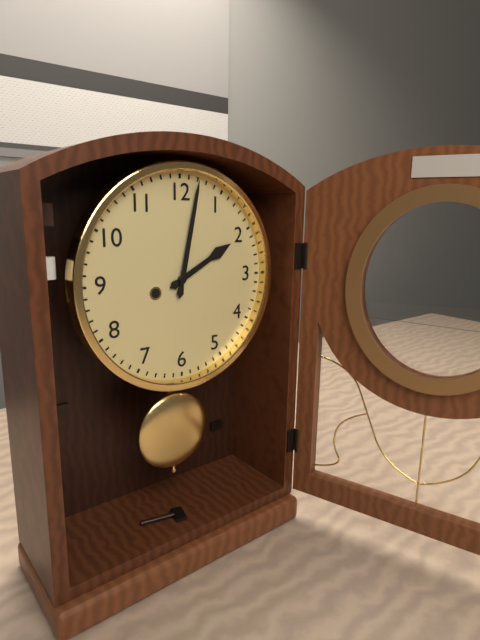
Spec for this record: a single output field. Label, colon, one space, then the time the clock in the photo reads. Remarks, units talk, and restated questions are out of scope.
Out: 2:02
